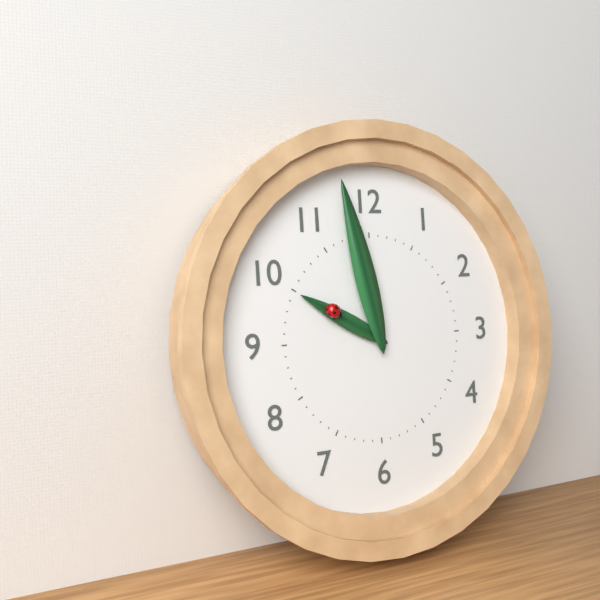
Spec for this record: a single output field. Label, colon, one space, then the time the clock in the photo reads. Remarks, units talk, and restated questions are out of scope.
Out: 9:58
